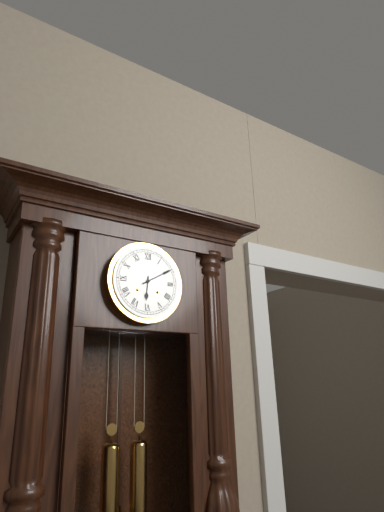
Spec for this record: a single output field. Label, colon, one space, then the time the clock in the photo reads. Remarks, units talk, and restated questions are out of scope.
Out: 6:10
